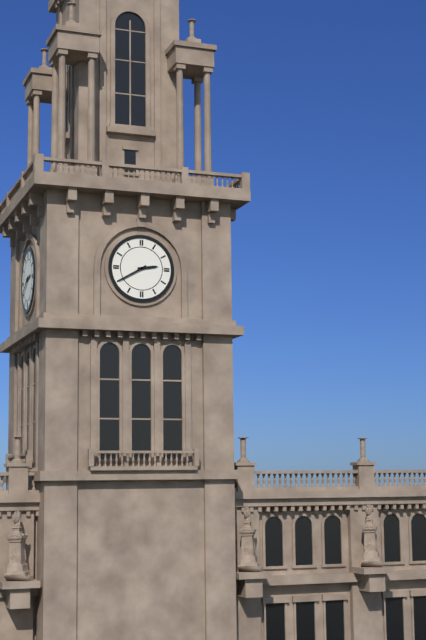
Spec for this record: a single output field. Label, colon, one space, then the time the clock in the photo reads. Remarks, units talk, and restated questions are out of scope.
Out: 2:40
